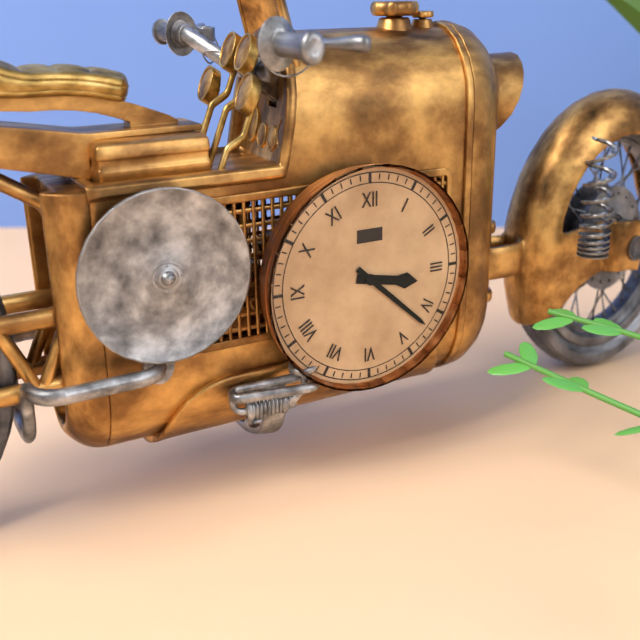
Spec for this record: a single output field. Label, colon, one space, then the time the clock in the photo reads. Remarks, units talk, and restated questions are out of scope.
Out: 3:22
